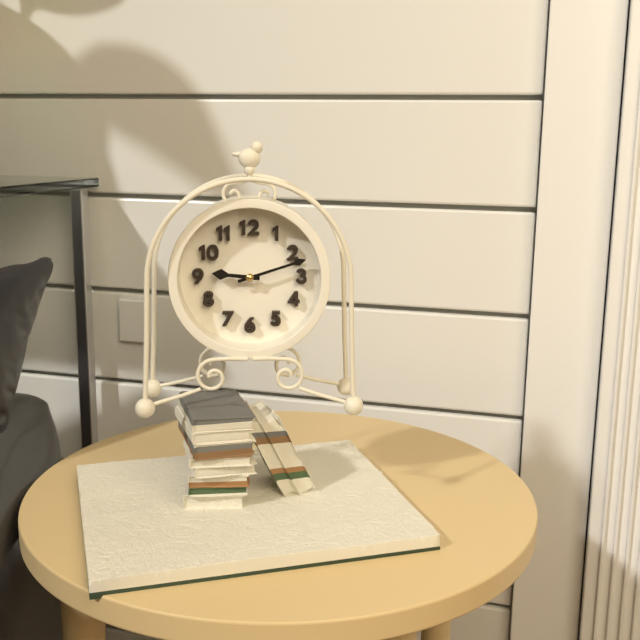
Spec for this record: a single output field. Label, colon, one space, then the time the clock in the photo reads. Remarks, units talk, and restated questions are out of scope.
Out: 9:12
